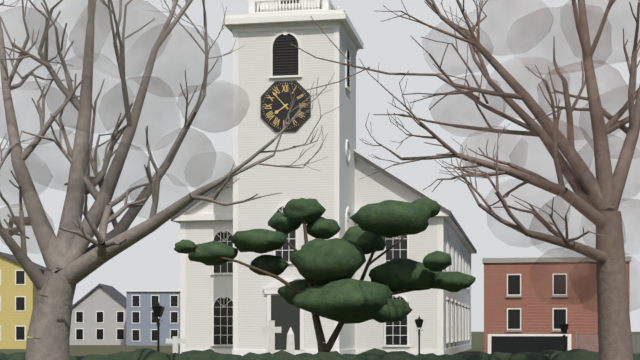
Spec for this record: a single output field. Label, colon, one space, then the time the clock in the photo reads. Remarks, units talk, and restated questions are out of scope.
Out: 7:53
